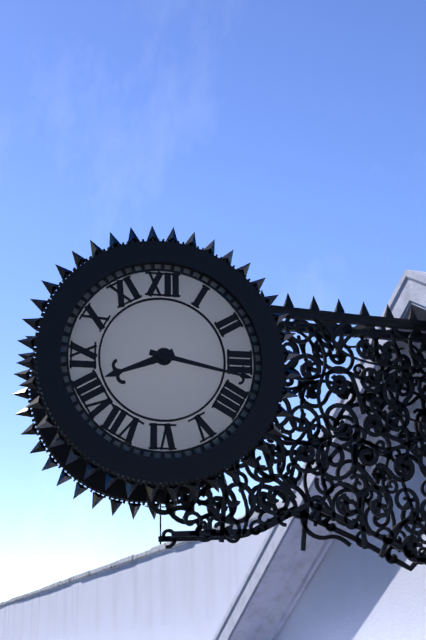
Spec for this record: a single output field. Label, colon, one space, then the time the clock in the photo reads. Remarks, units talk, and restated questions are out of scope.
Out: 8:17
